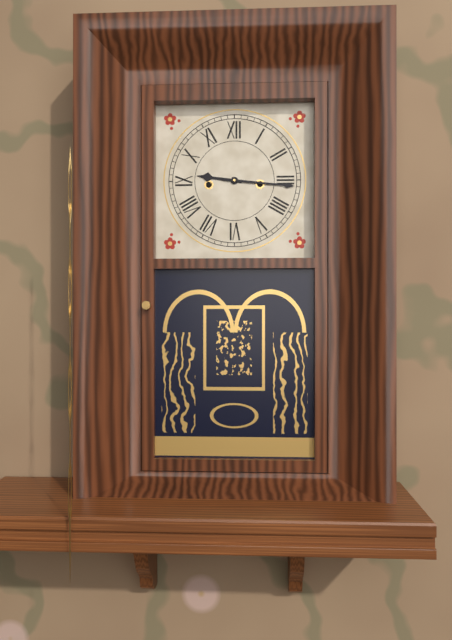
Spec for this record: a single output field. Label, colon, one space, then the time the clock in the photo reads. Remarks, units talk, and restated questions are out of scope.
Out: 9:16
